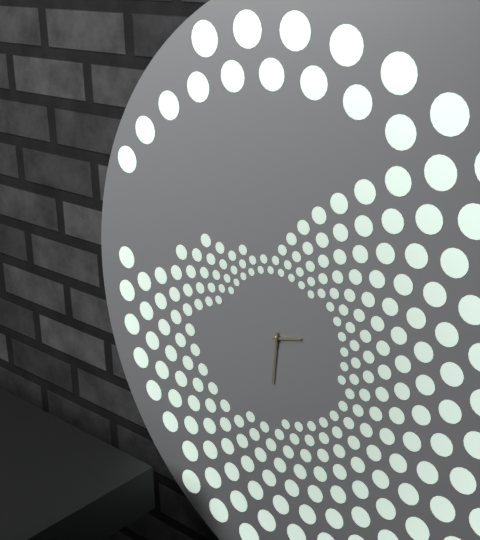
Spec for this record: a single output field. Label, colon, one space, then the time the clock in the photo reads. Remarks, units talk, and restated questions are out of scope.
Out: 2:31
